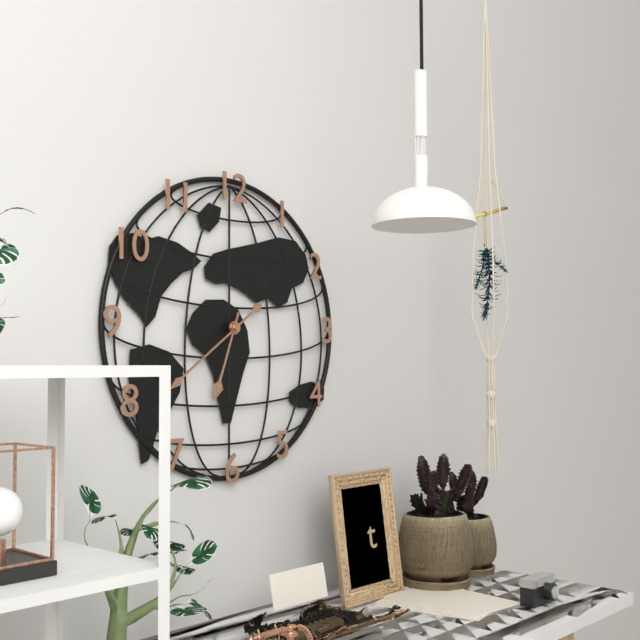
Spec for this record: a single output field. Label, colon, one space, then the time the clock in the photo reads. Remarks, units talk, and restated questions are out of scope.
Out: 6:39
